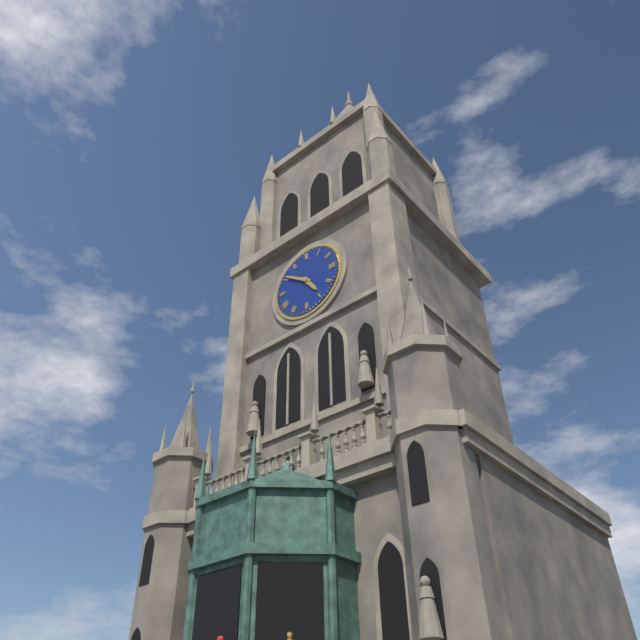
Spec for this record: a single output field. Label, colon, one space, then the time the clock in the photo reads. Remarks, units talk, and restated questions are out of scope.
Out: 4:51
